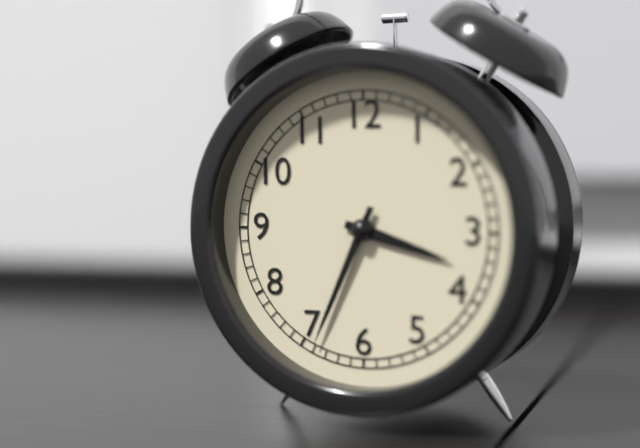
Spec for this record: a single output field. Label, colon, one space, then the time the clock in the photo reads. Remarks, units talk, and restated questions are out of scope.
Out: 3:34
